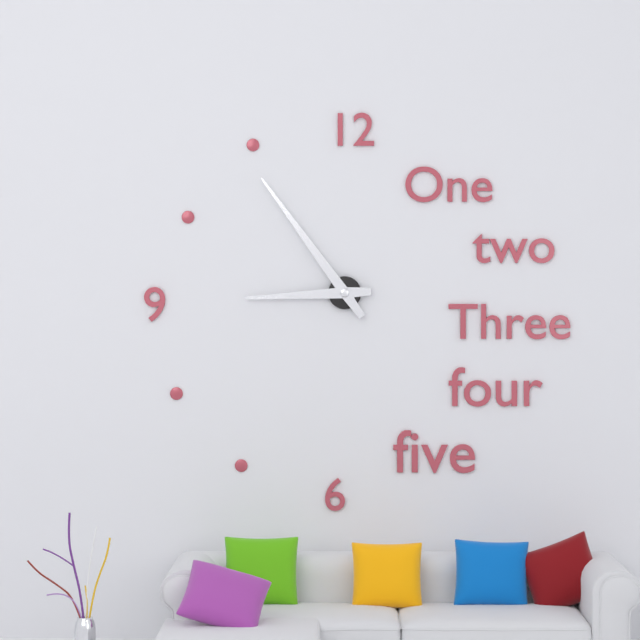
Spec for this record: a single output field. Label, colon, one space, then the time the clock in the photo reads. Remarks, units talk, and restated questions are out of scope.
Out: 8:54
